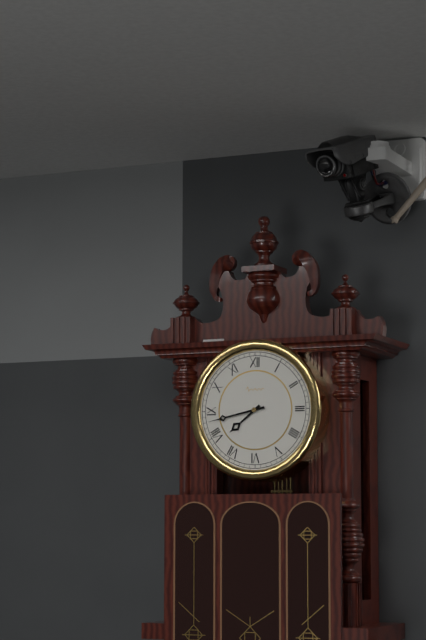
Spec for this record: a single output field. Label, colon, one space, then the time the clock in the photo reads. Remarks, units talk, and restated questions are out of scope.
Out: 7:43
